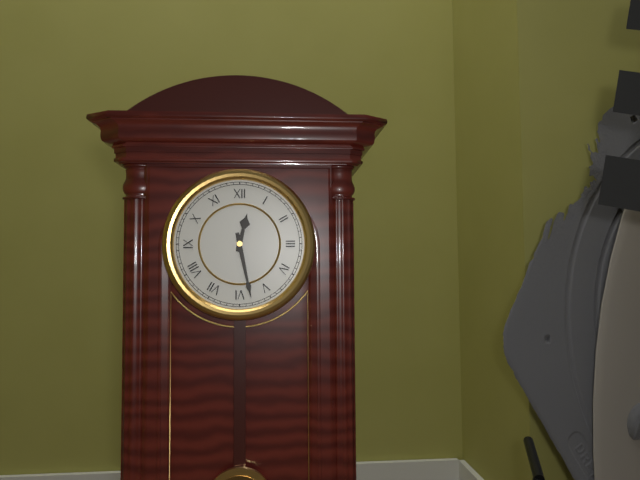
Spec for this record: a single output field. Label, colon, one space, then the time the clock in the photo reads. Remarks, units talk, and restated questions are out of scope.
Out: 12:28
